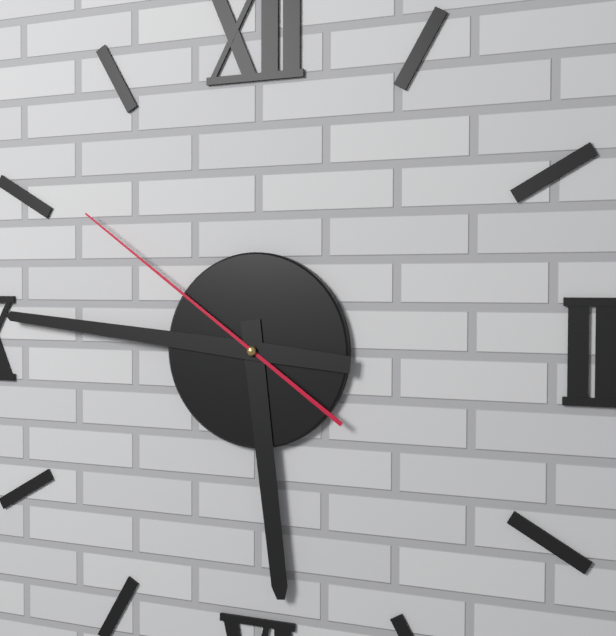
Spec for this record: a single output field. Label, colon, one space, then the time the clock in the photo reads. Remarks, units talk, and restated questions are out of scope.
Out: 5:46:51
